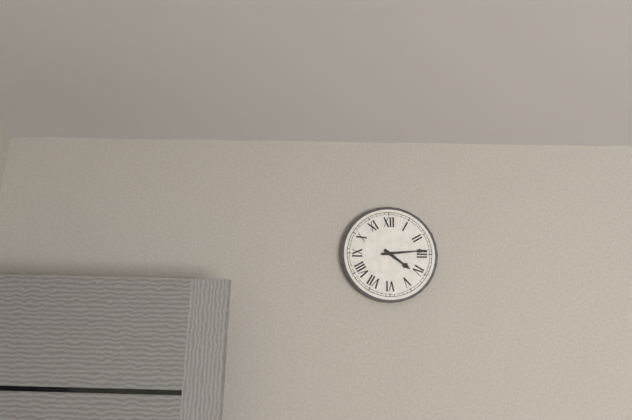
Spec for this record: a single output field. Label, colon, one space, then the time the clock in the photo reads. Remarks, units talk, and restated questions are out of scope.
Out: 4:14
